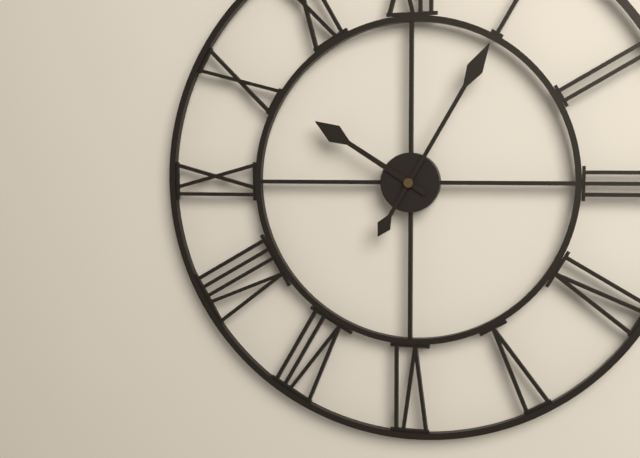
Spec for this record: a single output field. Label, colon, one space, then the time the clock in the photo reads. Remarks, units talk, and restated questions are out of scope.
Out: 10:05
